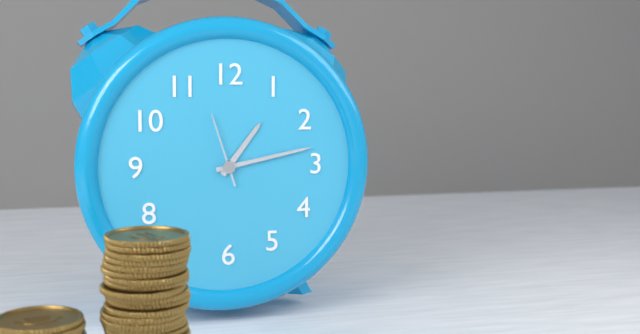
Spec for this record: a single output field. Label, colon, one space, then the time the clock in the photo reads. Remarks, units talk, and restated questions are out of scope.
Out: 1:13:57
